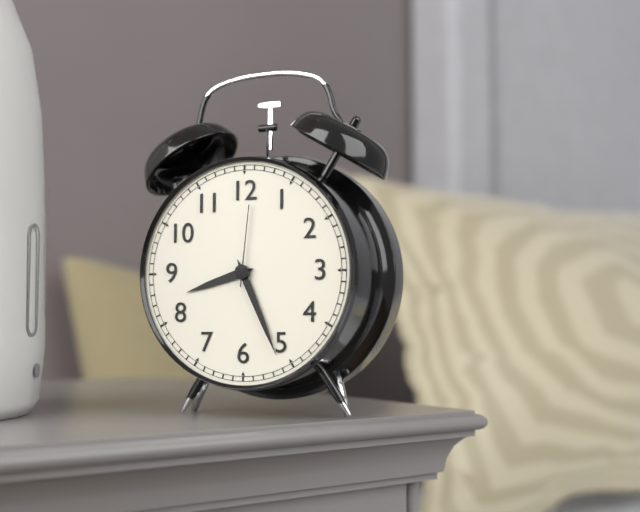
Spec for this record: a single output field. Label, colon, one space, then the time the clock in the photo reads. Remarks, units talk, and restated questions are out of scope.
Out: 8:26:01
